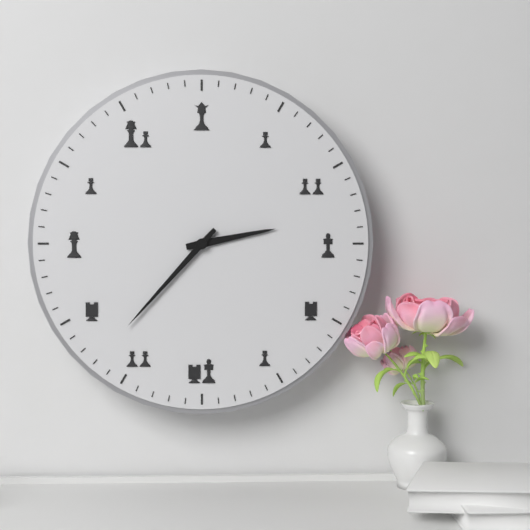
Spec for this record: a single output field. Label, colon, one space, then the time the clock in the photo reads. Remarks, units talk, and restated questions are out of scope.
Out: 2:37
